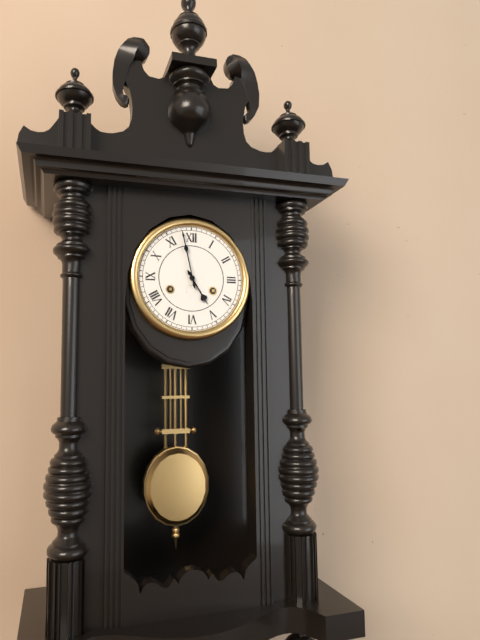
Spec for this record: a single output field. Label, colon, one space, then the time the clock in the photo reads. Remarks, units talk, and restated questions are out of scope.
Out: 4:58
